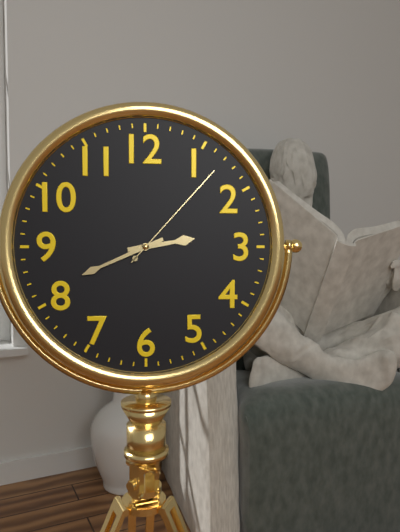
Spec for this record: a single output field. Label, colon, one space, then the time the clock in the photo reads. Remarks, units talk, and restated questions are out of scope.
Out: 2:41:07
